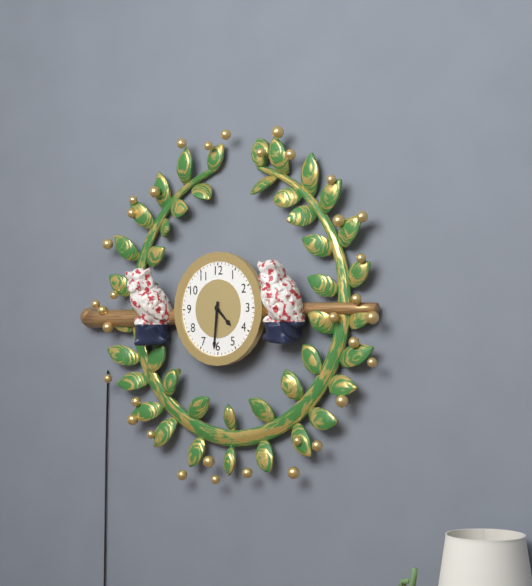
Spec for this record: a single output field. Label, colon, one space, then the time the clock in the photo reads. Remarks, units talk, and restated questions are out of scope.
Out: 4:31
